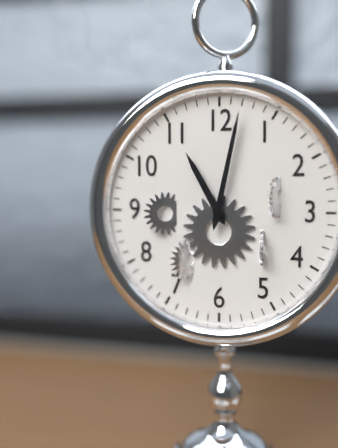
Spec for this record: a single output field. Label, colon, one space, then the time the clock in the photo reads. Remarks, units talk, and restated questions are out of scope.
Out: 11:02
